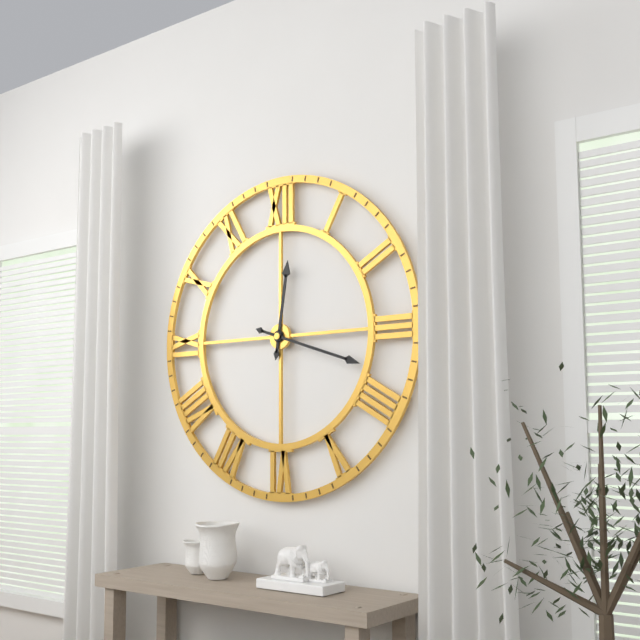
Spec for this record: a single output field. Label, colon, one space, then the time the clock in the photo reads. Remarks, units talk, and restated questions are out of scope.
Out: 12:18
